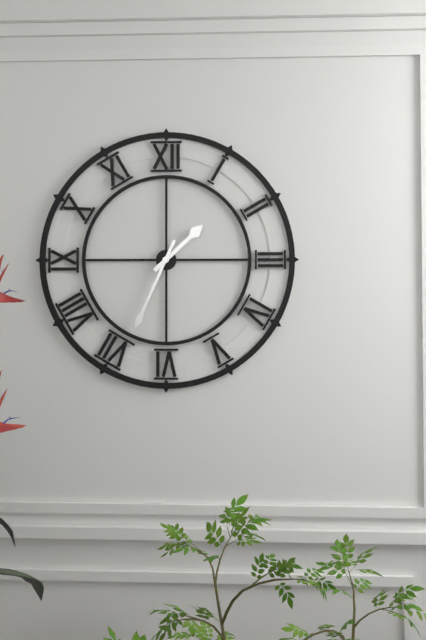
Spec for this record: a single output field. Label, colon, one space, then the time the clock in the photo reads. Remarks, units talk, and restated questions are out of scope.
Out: 1:34
